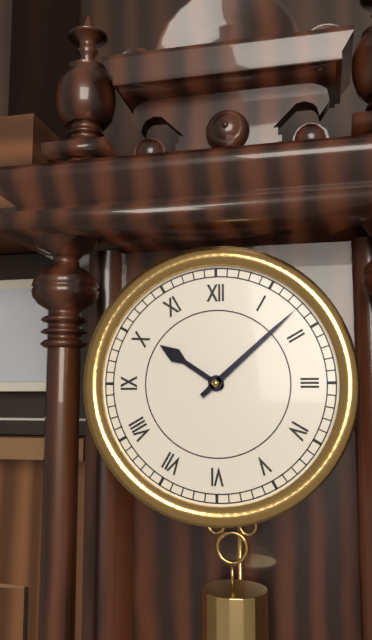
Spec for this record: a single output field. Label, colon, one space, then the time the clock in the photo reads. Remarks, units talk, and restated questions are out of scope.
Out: 10:08
